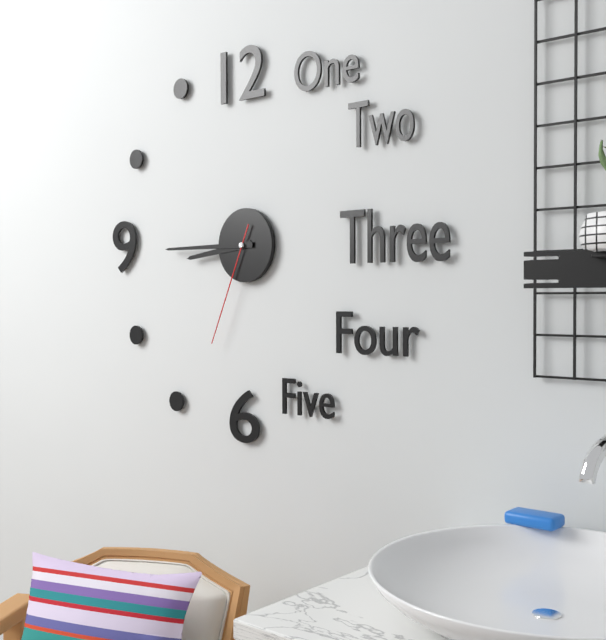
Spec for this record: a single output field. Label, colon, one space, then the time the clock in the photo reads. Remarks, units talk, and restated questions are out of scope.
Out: 8:45:34
